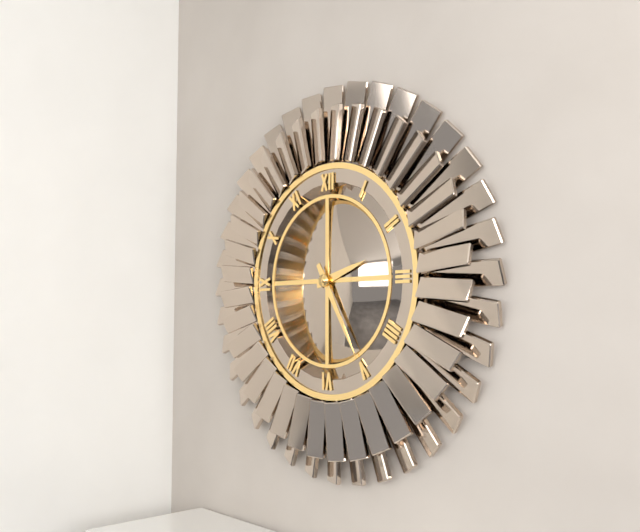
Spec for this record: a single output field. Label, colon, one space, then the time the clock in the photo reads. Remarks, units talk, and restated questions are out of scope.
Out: 2:25
